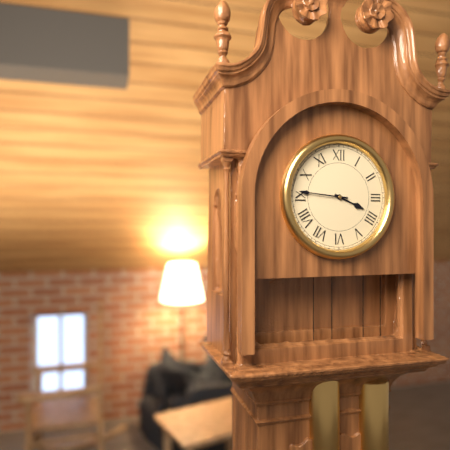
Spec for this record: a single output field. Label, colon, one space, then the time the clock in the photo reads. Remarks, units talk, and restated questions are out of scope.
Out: 3:46
